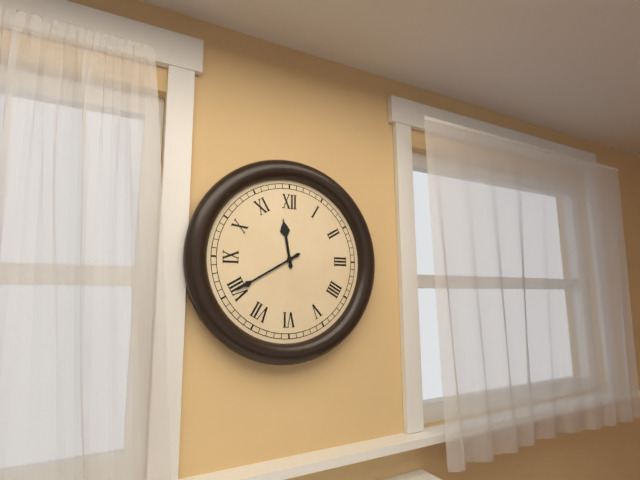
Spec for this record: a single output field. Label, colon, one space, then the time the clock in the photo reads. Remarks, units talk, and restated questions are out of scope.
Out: 11:40
